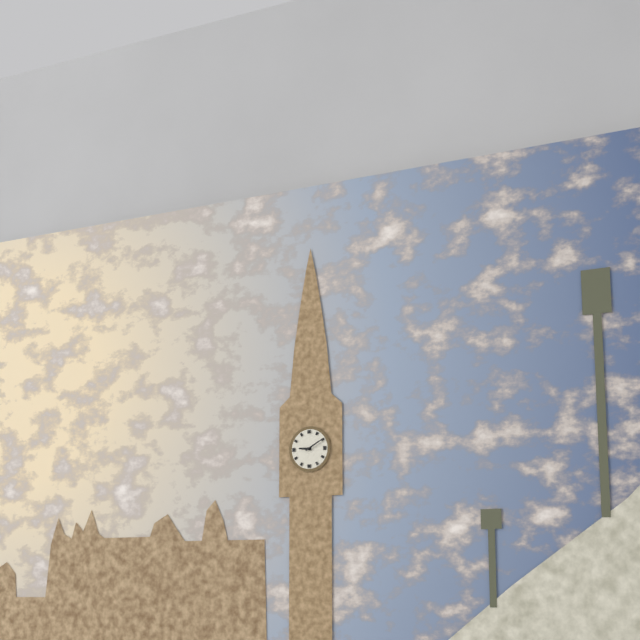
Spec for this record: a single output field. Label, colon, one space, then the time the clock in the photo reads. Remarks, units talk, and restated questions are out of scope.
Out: 9:10
